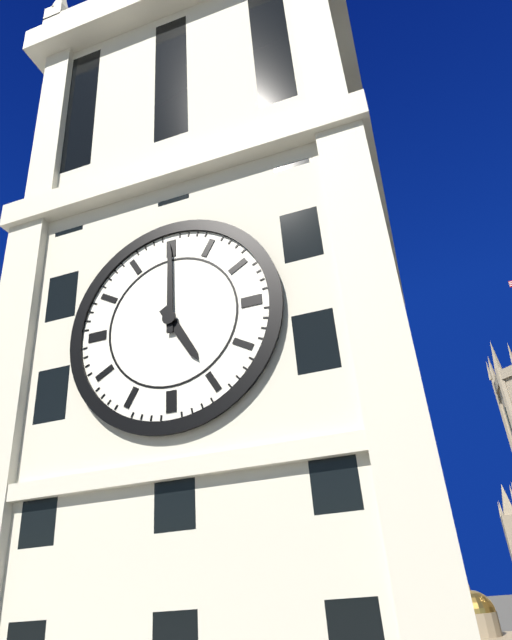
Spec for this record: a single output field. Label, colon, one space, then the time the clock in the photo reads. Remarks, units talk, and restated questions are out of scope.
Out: 5:00
